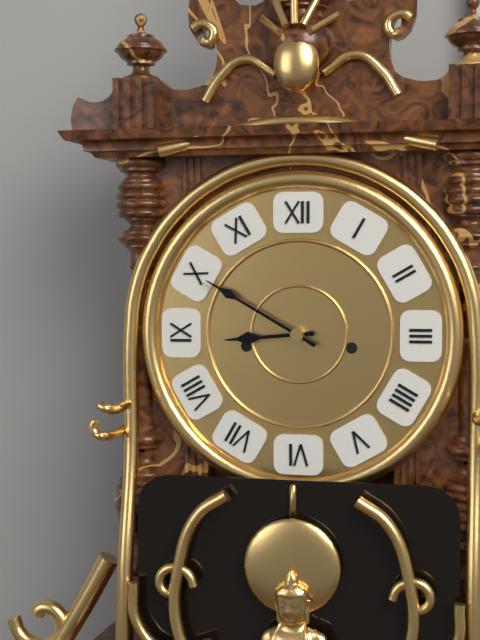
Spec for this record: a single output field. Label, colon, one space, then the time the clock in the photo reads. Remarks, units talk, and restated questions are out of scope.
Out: 8:50
